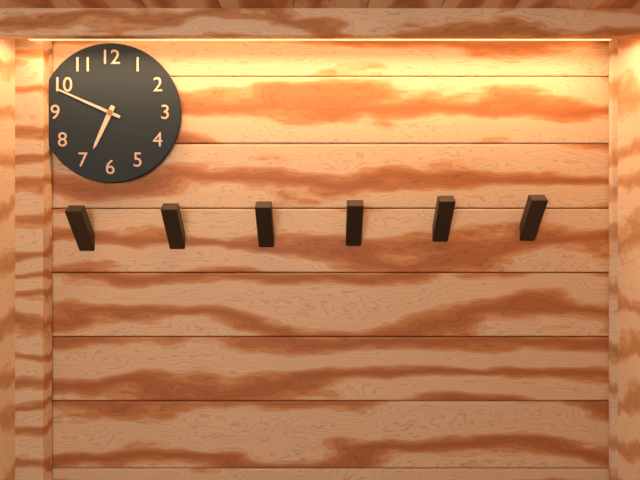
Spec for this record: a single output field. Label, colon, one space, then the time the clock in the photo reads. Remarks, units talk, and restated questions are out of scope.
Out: 6:49
